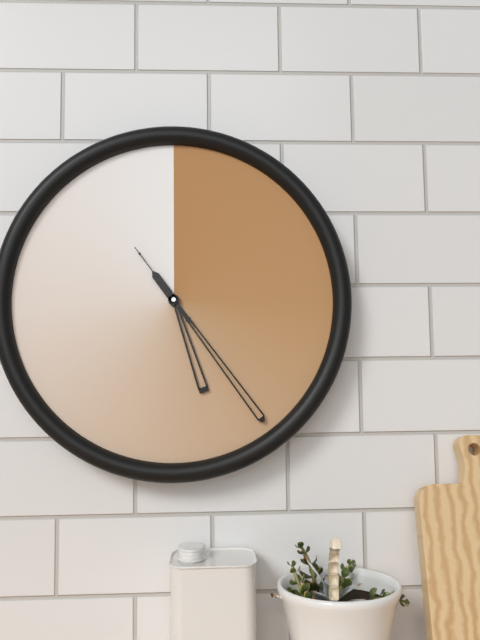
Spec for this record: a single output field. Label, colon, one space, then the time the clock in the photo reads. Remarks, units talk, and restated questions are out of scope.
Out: 5:24:54
